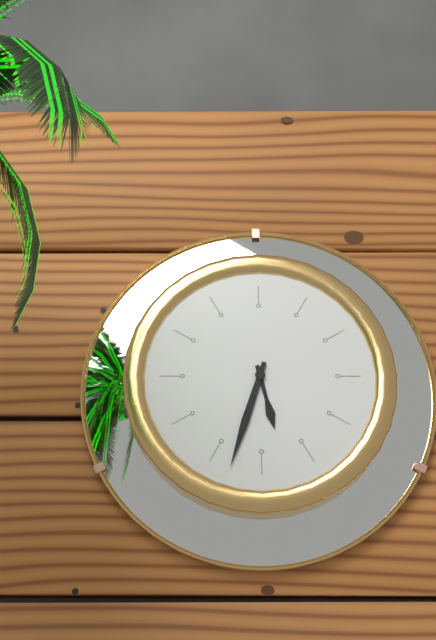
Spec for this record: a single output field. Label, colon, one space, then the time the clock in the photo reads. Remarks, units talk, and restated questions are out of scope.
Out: 5:33
